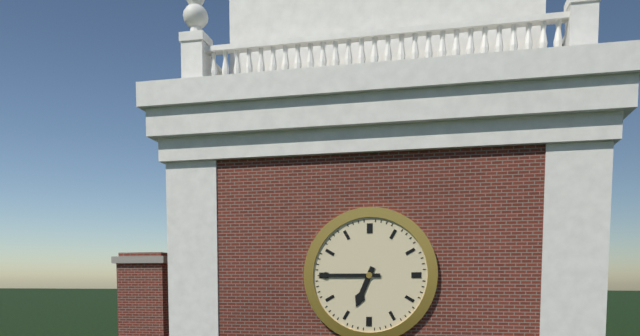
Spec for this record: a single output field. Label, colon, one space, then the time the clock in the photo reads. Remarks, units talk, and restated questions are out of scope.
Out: 6:45
